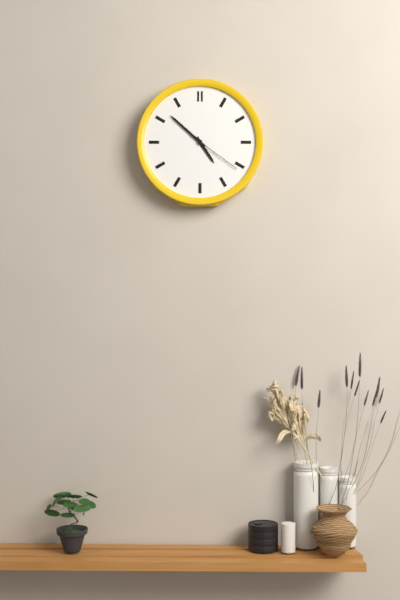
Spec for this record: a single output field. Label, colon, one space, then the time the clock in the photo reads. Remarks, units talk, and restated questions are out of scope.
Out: 4:52:21
